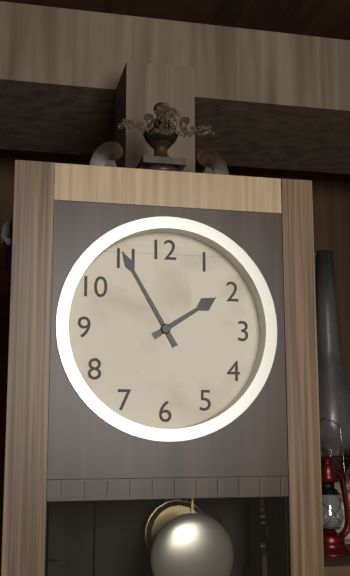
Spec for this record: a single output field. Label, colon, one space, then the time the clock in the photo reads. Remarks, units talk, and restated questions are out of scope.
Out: 1:55
